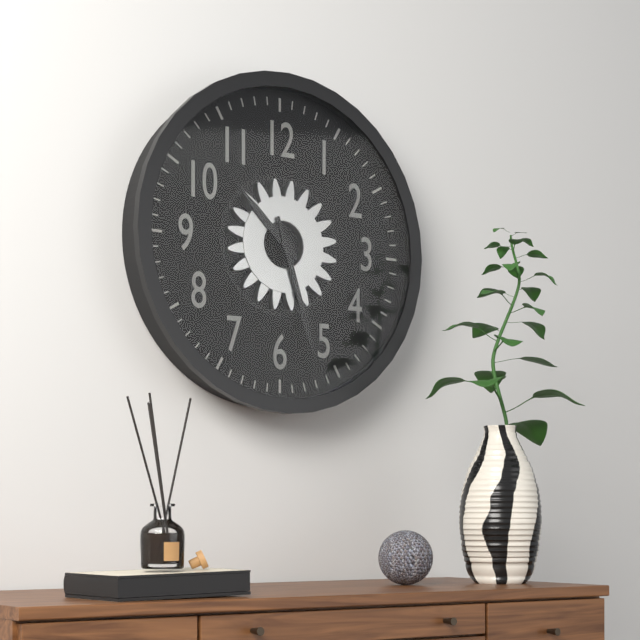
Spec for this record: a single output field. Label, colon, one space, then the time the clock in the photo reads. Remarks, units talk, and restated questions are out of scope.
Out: 10:27
